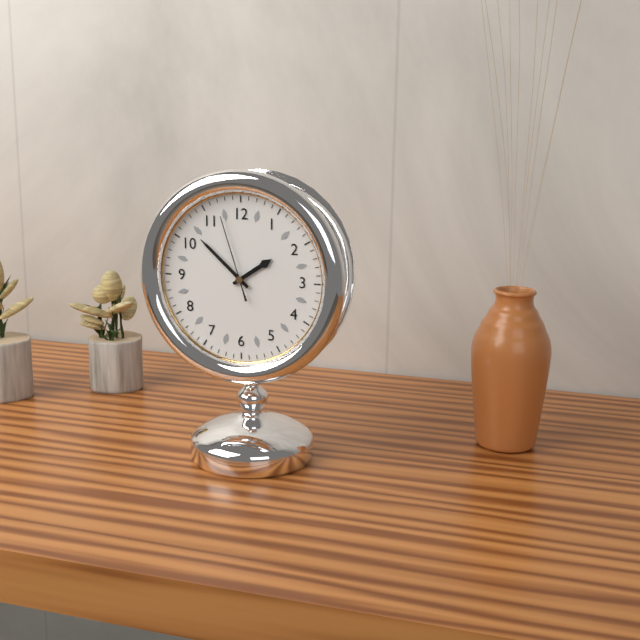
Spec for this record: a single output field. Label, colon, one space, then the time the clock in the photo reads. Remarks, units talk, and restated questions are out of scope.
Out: 1:52:57
